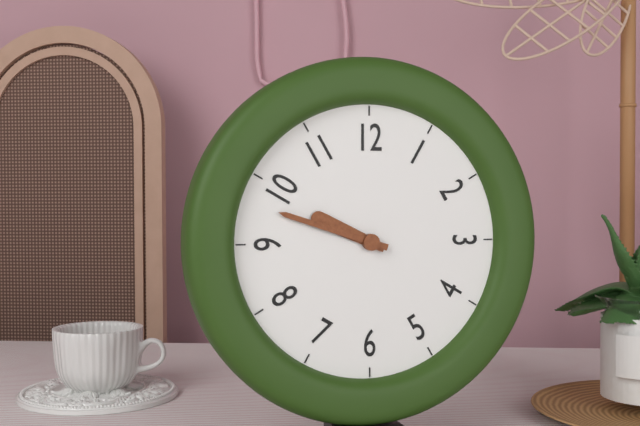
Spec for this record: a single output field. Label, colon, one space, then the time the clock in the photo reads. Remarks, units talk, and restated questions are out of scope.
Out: 9:48
